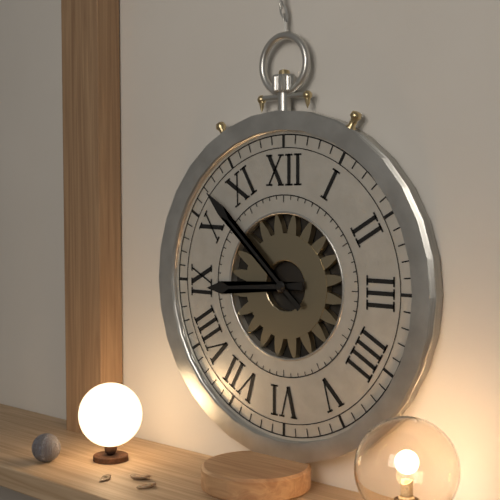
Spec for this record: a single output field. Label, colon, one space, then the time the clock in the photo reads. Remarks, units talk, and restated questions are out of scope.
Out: 8:52
